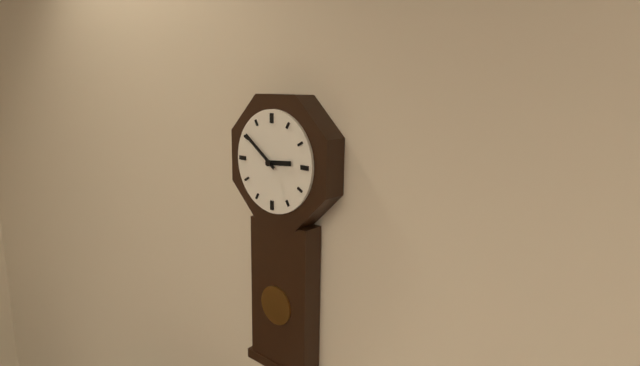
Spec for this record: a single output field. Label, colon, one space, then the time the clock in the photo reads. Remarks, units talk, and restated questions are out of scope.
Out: 2:51
